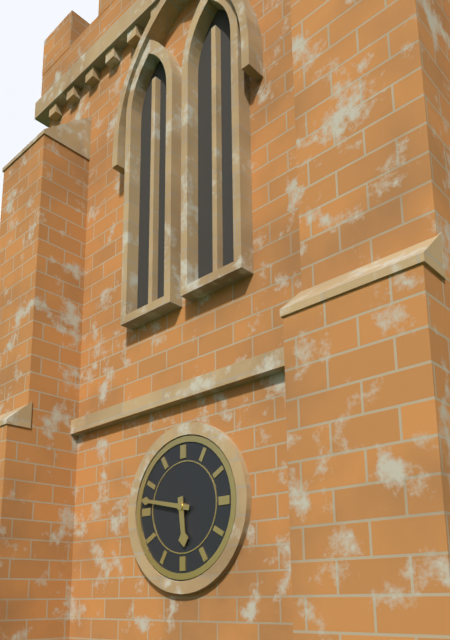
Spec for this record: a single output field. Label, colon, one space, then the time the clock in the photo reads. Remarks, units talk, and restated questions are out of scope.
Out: 5:47
